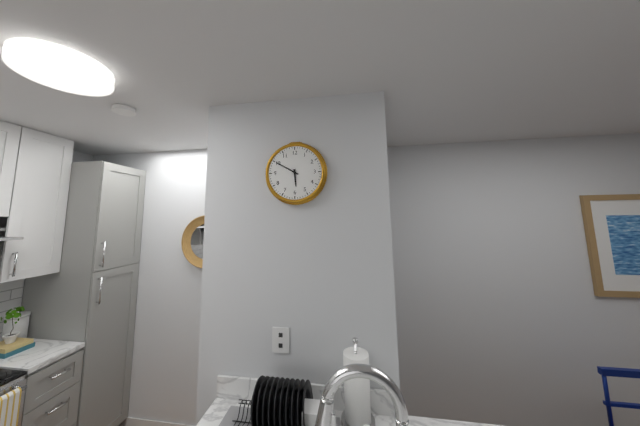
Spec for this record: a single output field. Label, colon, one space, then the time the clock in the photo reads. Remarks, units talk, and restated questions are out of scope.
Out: 5:50
